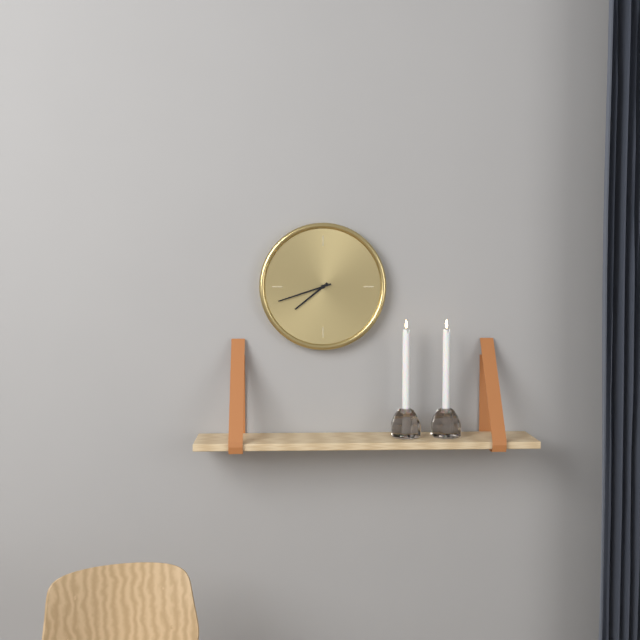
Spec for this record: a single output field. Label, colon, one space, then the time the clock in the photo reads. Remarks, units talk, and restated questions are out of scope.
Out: 7:42
